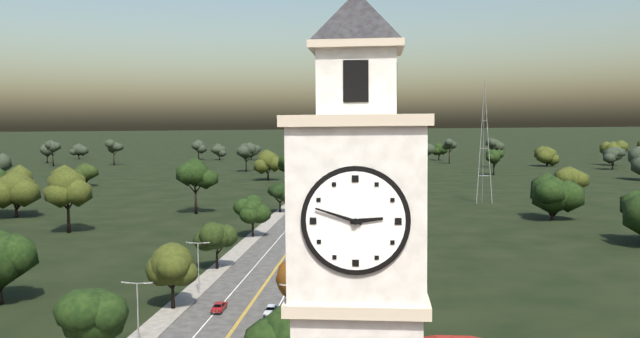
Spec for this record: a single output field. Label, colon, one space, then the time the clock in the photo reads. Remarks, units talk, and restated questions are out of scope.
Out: 2:48
